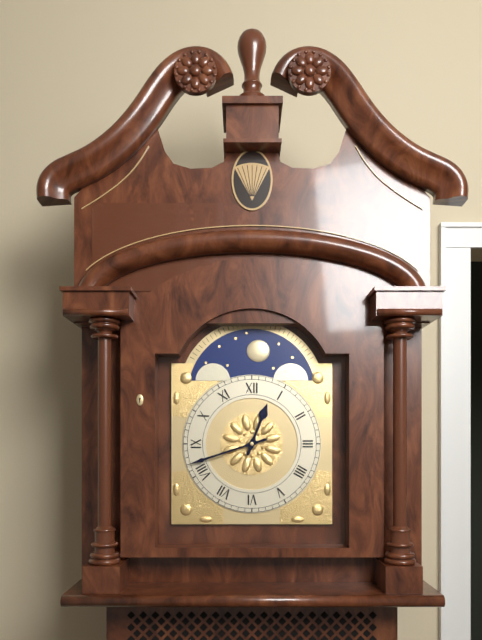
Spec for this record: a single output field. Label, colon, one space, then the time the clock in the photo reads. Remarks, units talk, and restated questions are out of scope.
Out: 12:42
